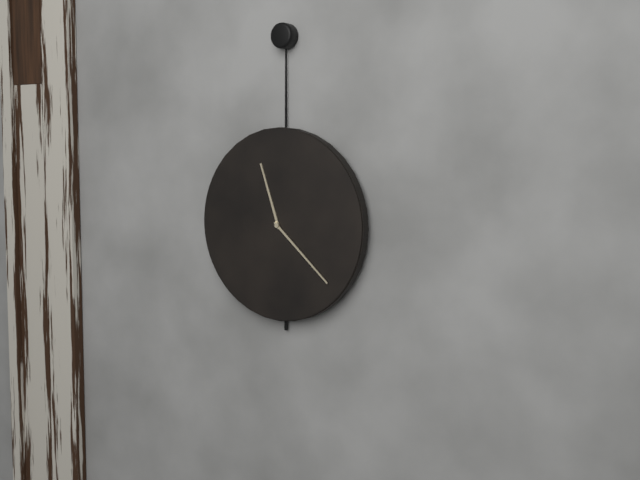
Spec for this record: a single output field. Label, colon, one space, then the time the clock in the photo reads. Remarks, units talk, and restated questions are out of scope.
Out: 11:22
